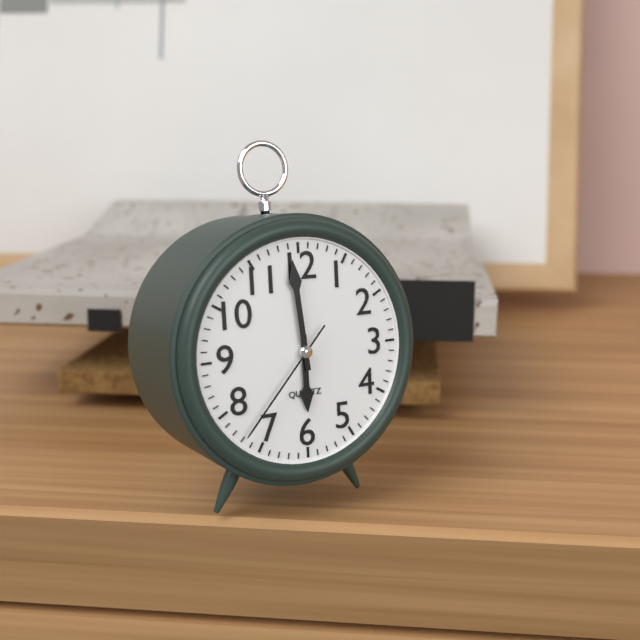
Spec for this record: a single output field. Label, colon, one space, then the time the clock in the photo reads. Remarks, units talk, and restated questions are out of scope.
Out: 5:59:37
